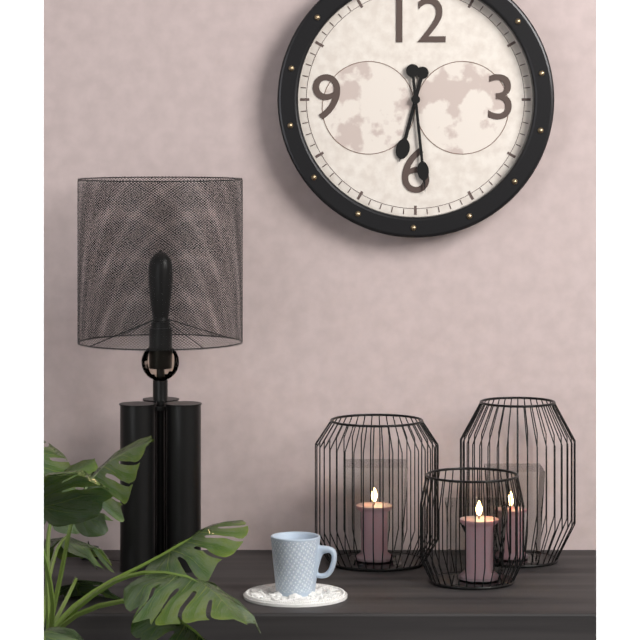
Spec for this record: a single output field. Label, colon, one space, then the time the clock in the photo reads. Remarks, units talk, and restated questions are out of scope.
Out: 6:29
